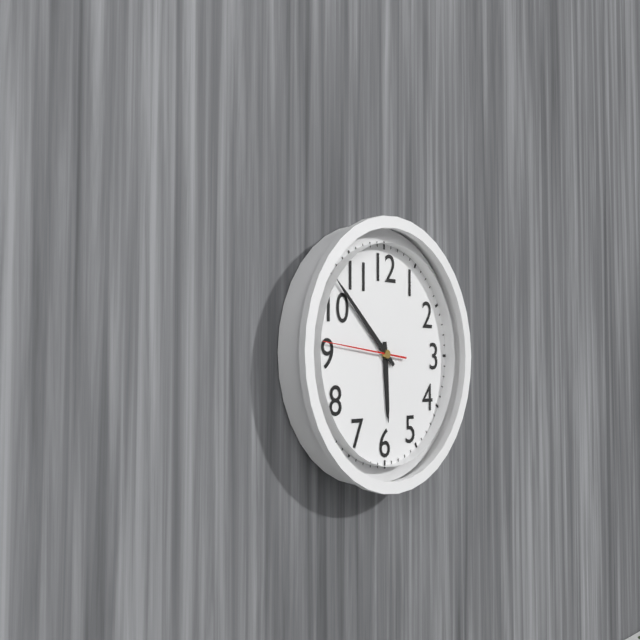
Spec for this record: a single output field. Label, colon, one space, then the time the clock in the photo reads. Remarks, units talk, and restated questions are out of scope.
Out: 5:52:46
